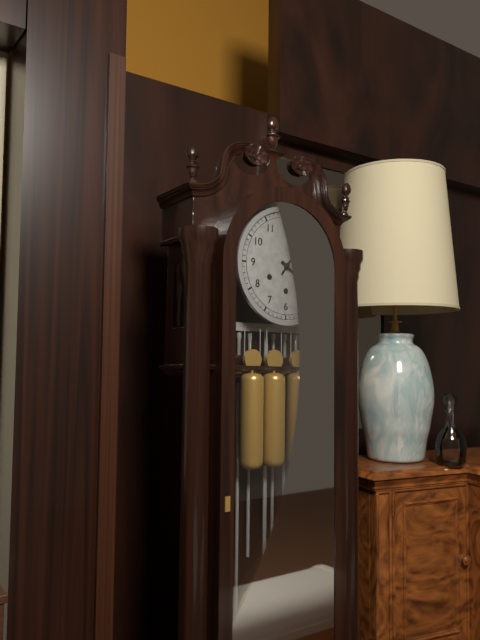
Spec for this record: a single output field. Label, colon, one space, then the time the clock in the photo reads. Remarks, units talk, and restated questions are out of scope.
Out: 4:06
